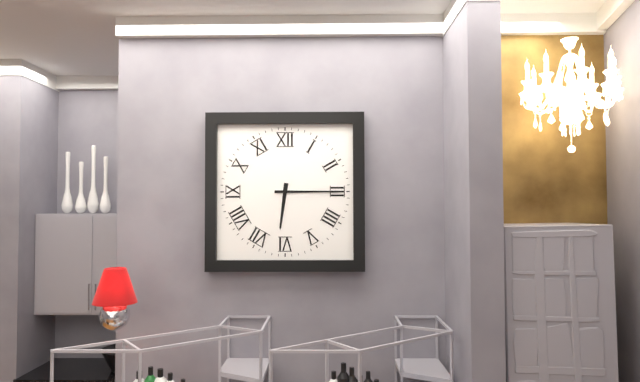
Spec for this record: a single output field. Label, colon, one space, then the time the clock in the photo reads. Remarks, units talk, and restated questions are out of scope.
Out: 6:15
